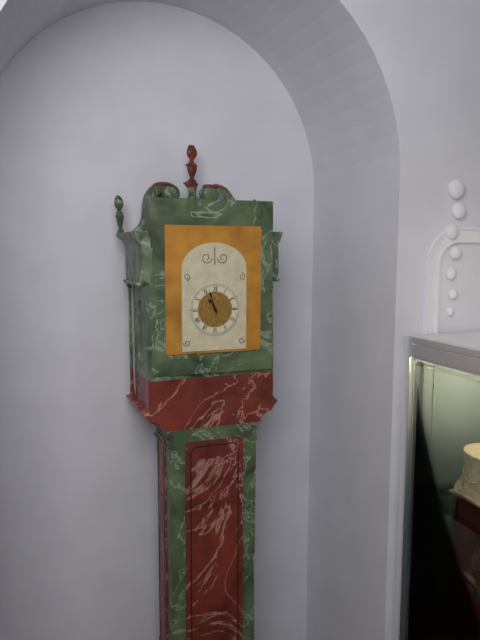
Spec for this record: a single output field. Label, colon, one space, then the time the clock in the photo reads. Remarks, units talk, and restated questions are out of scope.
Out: 10:57
